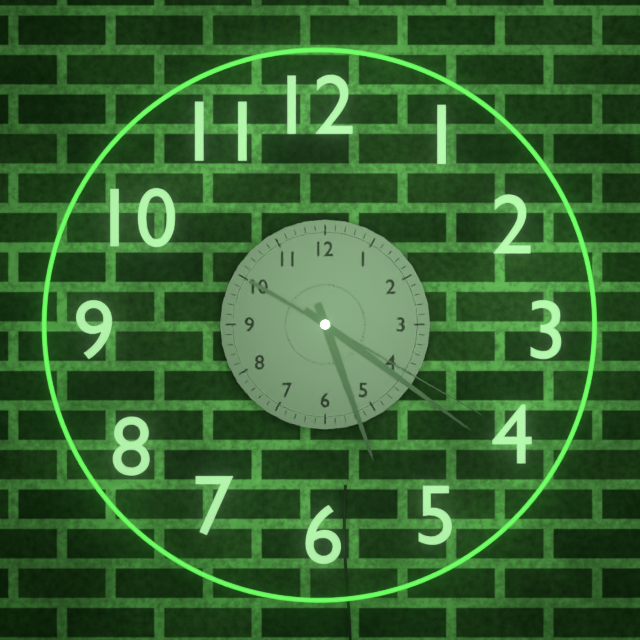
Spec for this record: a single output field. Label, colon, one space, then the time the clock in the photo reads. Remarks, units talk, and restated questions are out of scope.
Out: 5:21:20
